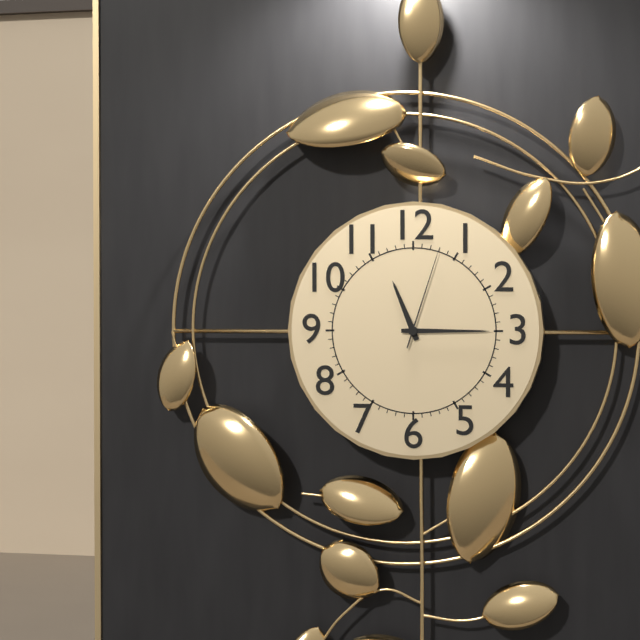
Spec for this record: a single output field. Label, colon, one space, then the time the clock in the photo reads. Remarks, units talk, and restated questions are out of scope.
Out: 11:15:03
